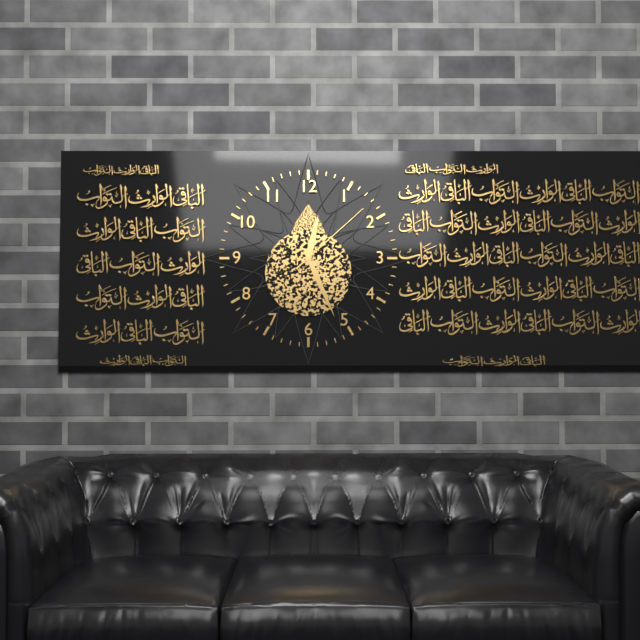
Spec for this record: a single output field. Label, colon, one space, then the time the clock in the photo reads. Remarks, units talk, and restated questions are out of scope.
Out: 12:26:08
